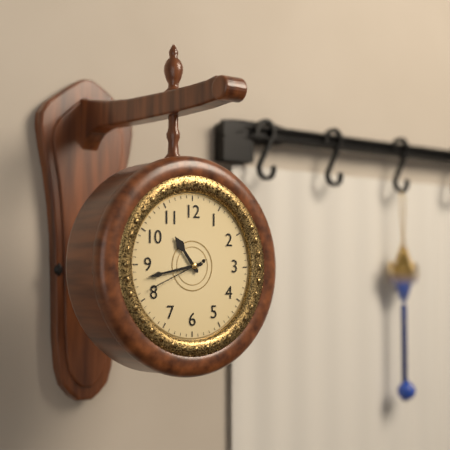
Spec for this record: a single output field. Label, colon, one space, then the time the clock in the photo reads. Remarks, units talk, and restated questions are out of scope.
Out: 10:43:41
